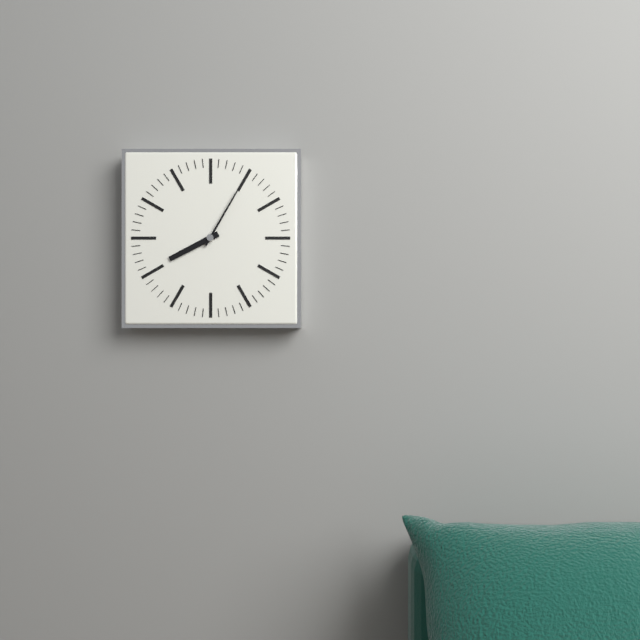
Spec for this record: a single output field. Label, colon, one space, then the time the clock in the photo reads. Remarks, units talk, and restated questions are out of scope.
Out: 8:05
